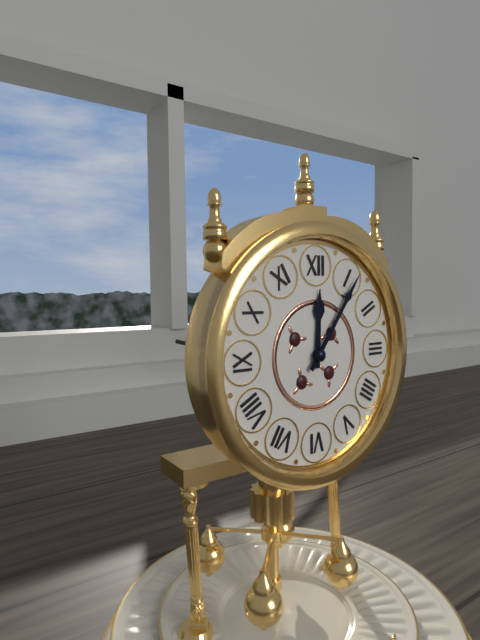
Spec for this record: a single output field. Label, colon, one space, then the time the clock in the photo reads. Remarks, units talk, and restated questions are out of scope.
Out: 12:06
